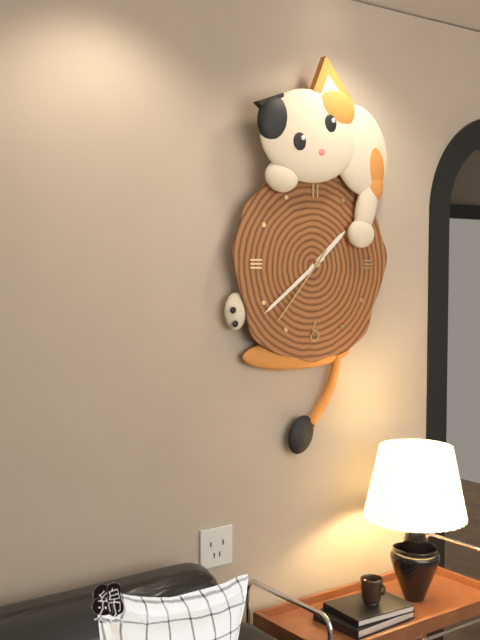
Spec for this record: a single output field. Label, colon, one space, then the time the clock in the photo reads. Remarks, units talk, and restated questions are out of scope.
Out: 1:39:37
